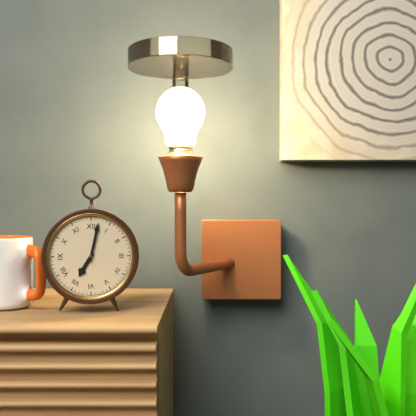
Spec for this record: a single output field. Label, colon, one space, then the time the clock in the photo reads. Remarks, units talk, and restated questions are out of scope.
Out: 7:02
